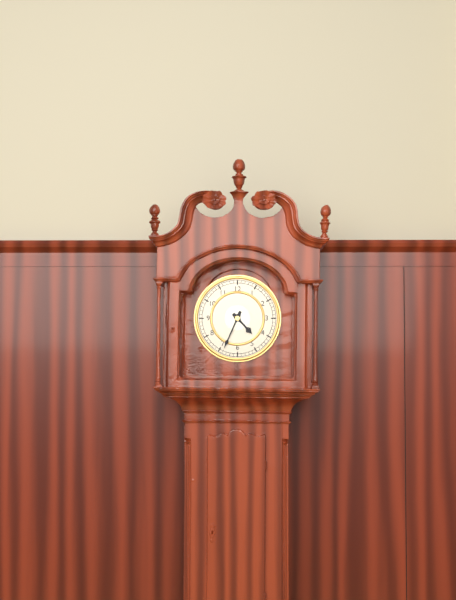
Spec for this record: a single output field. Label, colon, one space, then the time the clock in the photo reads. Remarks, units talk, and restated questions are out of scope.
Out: 4:34
